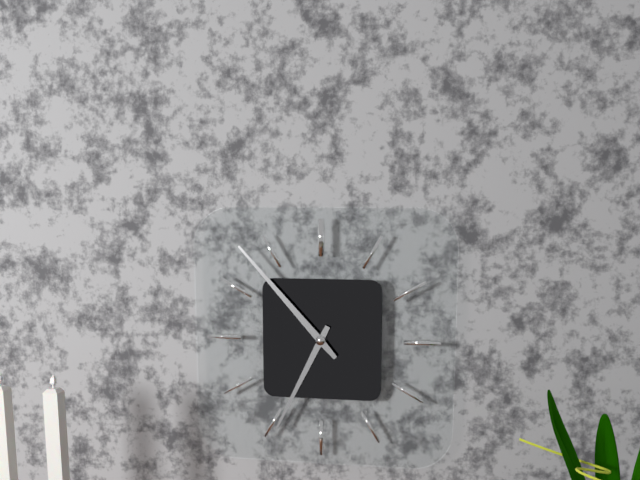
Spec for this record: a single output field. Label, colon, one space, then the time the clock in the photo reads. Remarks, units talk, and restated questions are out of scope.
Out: 6:53
